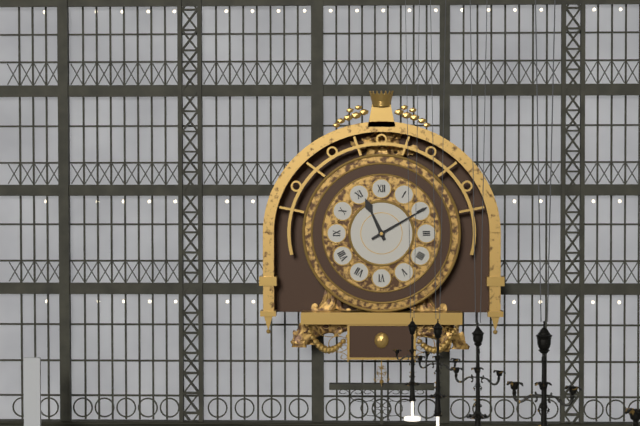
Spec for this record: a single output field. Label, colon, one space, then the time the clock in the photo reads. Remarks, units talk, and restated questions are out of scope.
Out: 11:10
